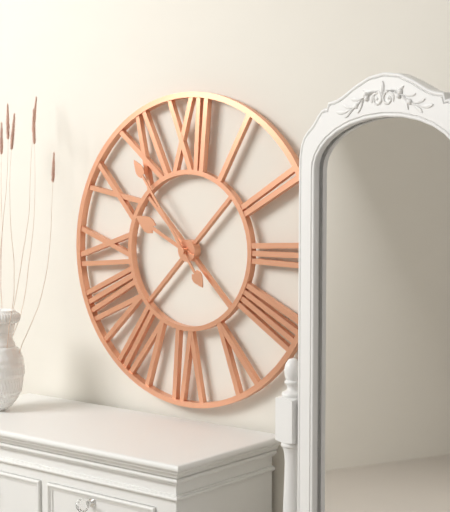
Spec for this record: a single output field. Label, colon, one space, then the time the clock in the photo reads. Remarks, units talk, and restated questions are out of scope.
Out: 9:54
